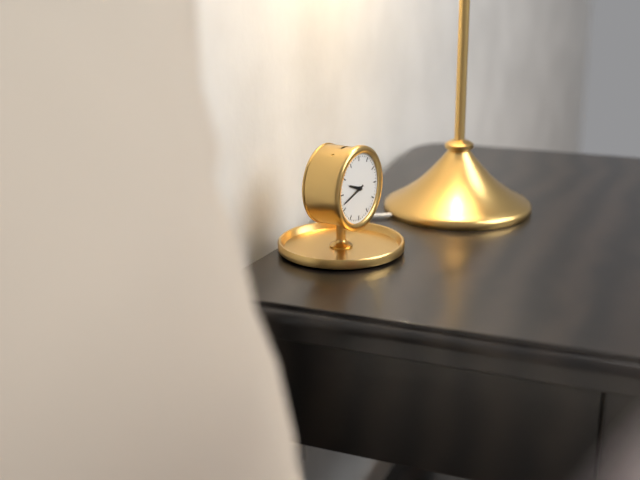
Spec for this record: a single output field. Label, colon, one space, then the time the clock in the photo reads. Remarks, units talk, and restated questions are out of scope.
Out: 9:42
